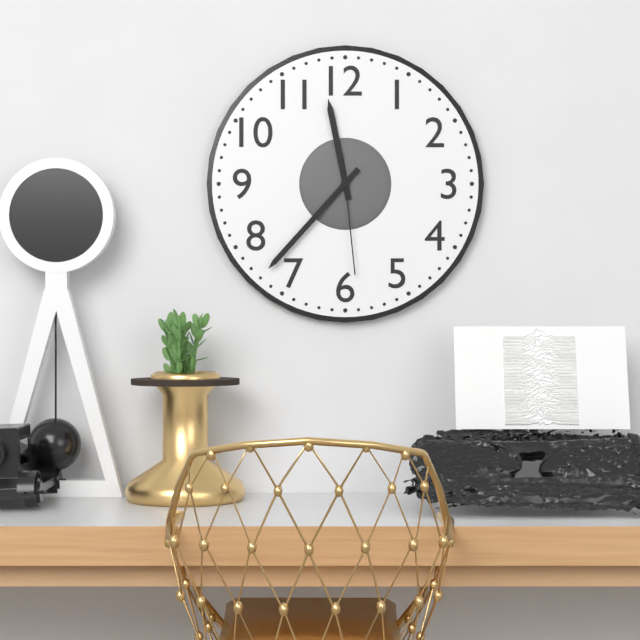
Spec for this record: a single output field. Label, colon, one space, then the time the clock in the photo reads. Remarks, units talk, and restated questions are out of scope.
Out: 11:37:29
